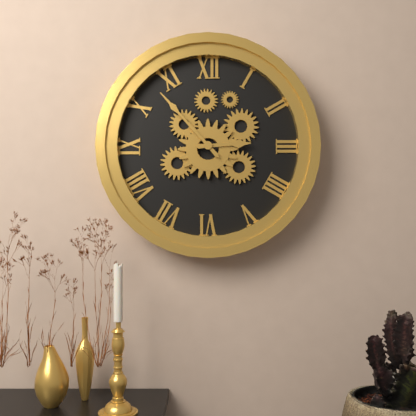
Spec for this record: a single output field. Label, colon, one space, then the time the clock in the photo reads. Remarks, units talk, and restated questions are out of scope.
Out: 2:53
